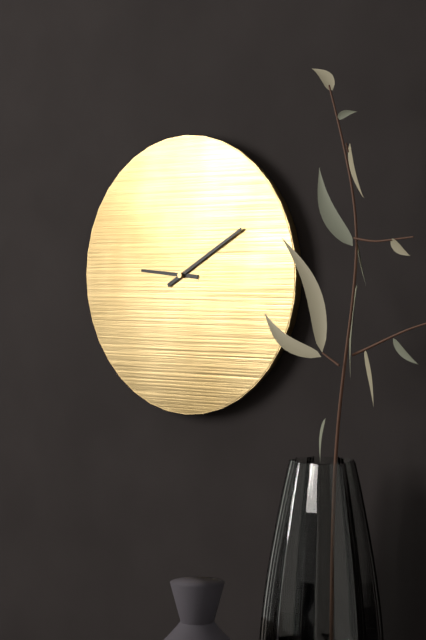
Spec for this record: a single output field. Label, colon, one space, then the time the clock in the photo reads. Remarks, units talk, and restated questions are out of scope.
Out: 9:10
